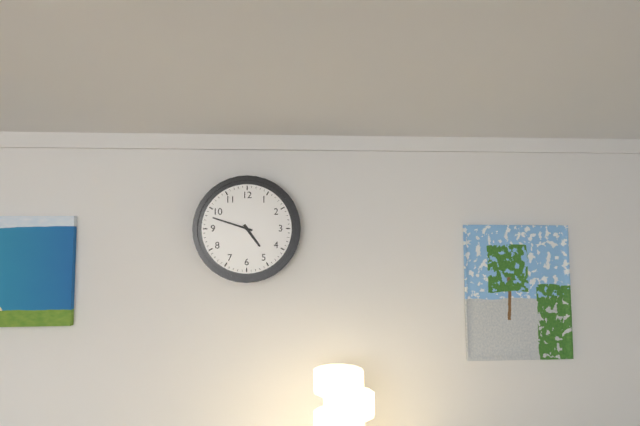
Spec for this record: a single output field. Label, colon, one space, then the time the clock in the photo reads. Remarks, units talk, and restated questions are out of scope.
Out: 4:48
